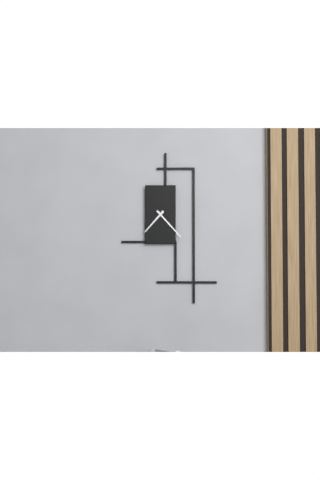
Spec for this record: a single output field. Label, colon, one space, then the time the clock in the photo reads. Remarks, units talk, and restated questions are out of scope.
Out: 7:23
